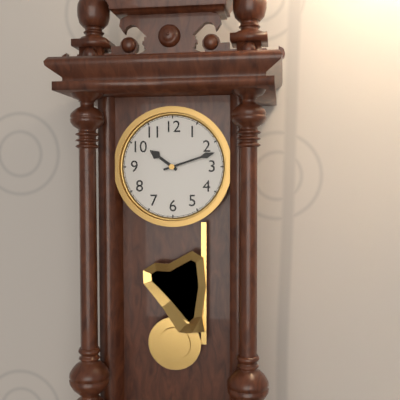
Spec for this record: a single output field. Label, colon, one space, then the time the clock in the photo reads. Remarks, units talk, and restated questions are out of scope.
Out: 10:12
